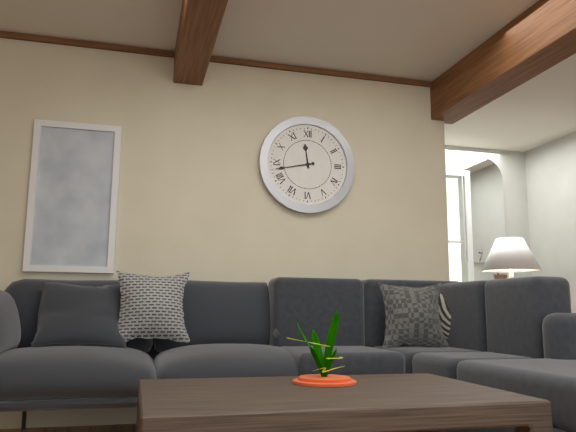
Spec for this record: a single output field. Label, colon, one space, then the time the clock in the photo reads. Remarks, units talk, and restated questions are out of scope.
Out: 11:43
